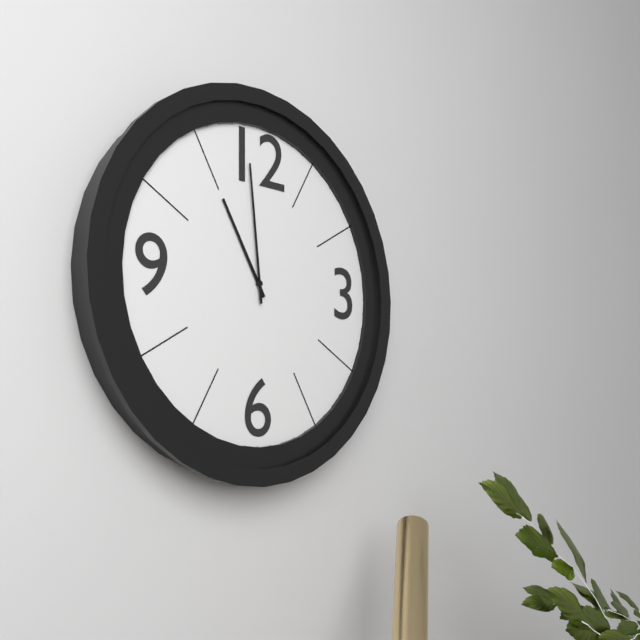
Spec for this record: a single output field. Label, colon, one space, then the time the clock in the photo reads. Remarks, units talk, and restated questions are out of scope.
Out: 10:59
